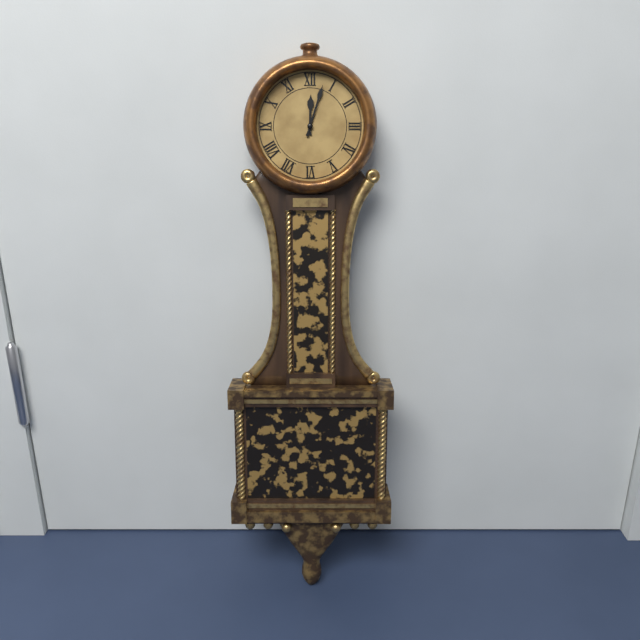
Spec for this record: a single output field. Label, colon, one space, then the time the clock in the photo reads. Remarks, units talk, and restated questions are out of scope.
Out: 12:03
